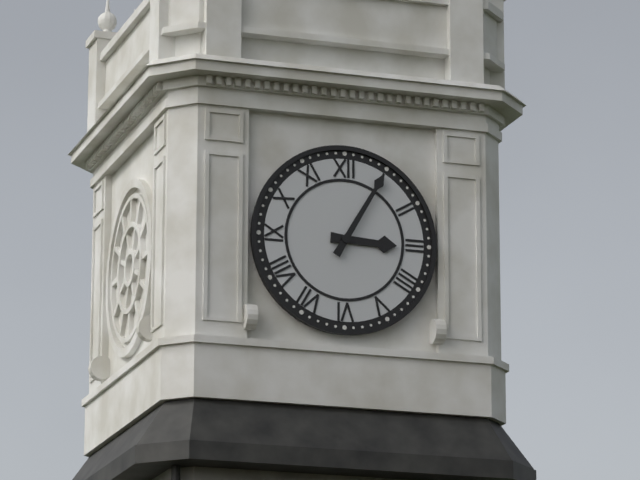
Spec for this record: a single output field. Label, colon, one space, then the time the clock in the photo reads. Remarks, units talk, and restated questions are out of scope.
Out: 3:05
